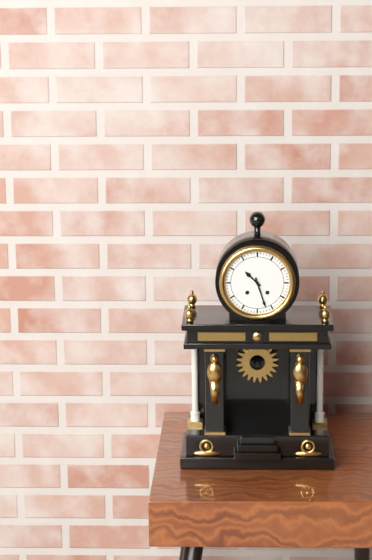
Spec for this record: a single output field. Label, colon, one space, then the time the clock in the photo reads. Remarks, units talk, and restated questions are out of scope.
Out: 10:27
